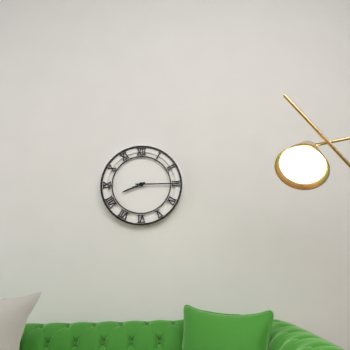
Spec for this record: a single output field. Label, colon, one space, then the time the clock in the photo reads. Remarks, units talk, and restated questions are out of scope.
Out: 8:15
